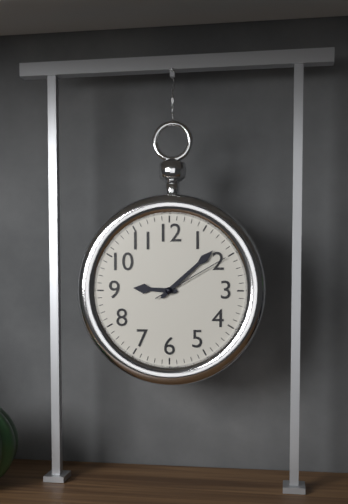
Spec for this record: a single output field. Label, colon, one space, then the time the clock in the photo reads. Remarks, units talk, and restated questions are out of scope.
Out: 9:08:10
